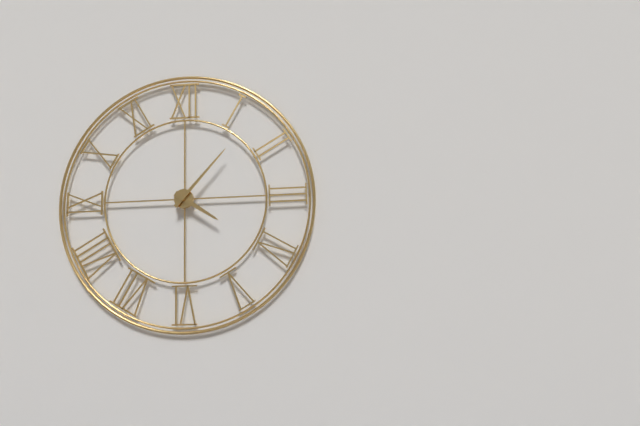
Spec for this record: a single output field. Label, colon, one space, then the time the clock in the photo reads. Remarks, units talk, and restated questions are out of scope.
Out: 4:07
